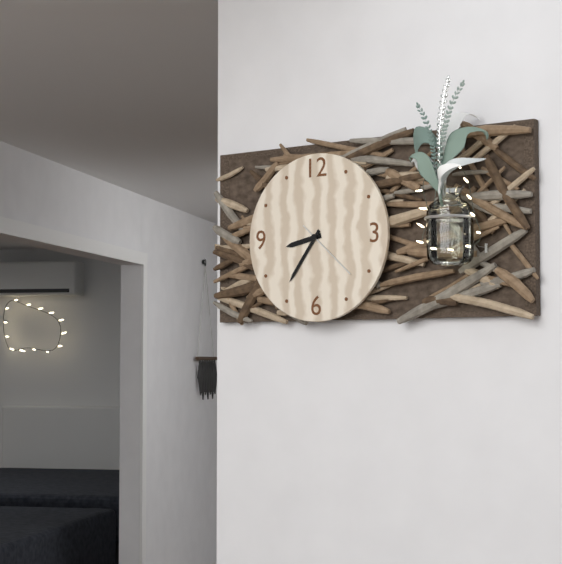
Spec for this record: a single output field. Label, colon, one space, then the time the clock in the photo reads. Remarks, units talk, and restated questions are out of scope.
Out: 8:36:22
